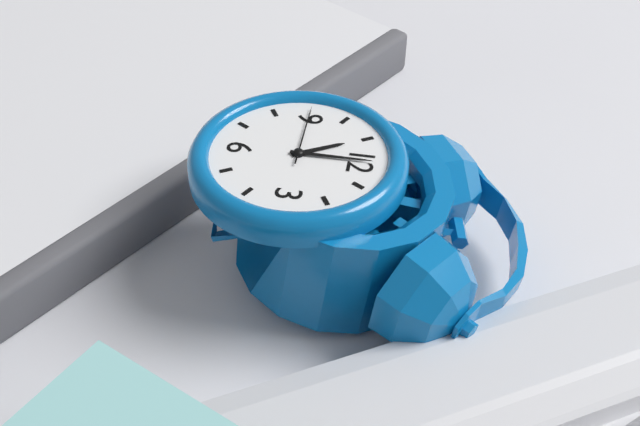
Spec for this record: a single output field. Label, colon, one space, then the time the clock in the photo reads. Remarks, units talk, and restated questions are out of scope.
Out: 11:00:45
